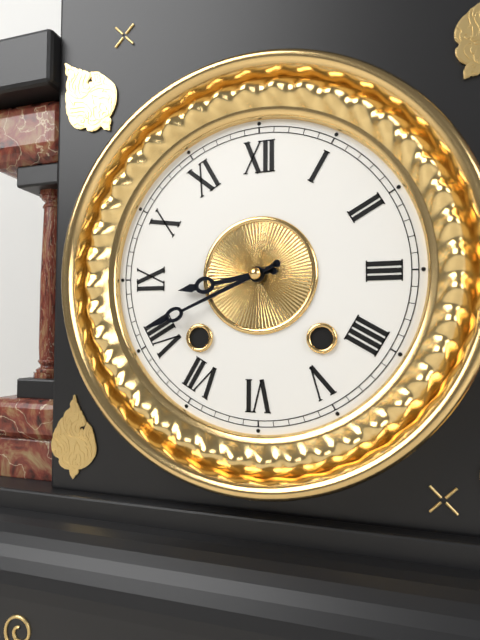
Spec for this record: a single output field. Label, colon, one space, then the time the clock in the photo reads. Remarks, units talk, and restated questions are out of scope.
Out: 8:41
